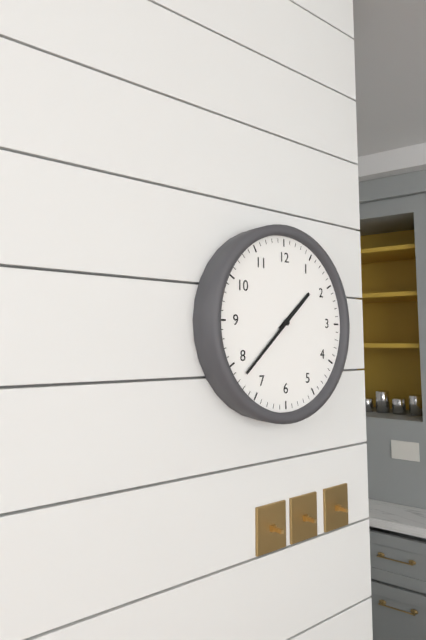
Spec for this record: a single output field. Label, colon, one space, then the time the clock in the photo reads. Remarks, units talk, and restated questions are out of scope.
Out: 1:38
